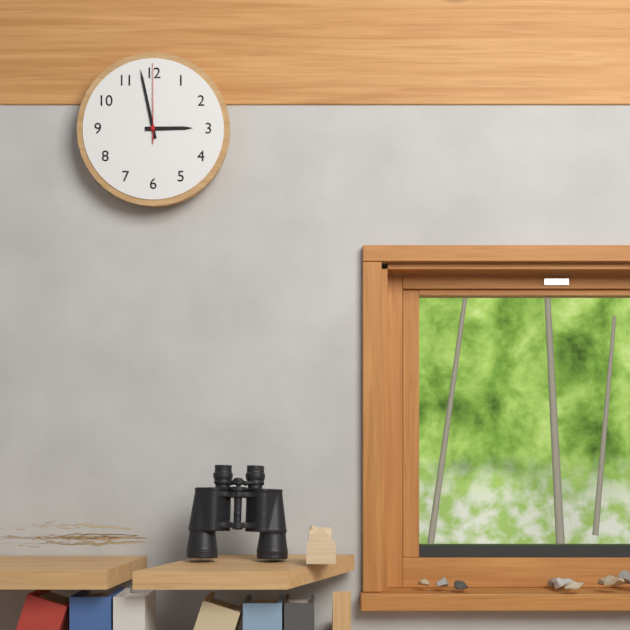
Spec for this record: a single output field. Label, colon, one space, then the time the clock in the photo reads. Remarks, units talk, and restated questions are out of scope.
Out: 2:58:00
